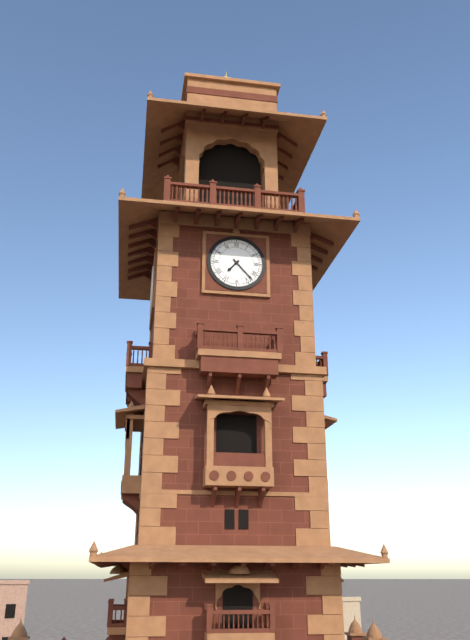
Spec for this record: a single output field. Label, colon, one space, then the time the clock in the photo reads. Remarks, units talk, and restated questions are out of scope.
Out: 7:23
